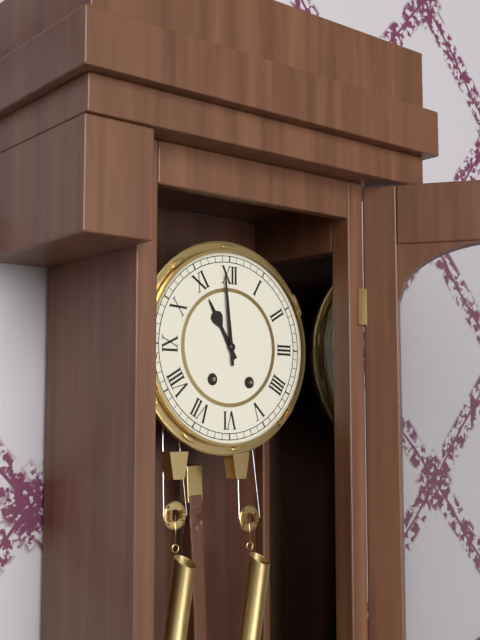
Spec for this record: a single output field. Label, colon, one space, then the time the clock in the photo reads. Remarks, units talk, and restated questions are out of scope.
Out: 10:59
